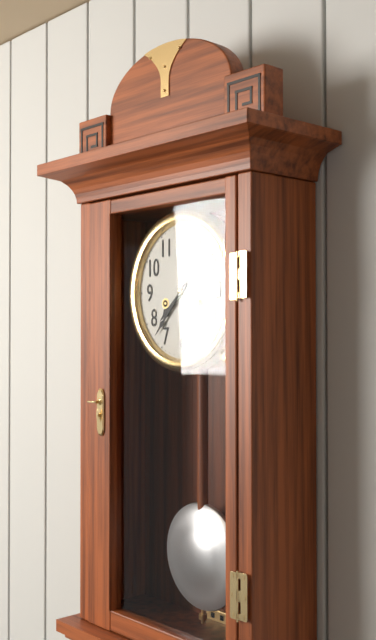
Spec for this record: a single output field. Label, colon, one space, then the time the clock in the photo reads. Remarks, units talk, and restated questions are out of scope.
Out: 7:37
